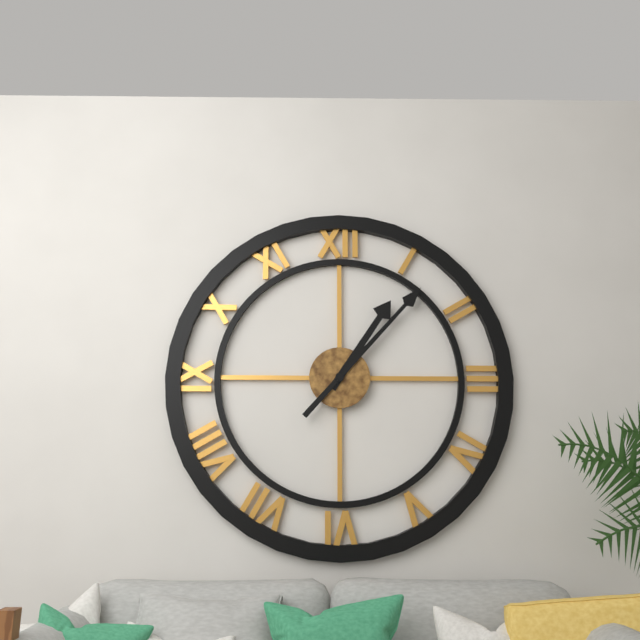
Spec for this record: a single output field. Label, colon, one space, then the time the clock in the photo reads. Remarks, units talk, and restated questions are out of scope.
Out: 1:07
